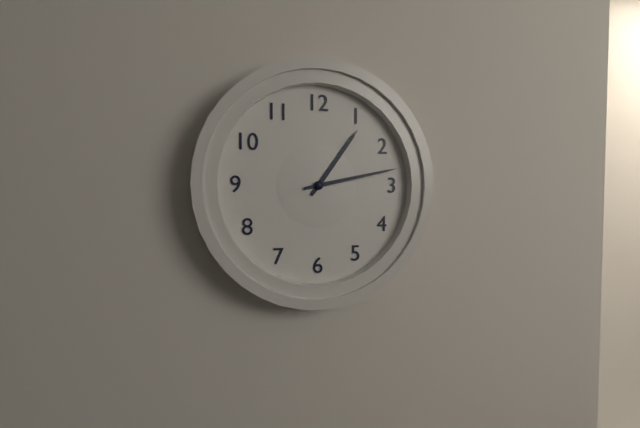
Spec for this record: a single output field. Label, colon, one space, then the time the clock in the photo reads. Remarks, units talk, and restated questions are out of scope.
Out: 1:13
